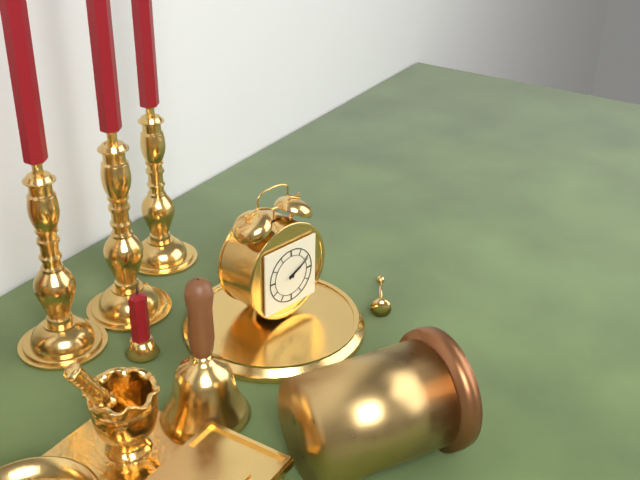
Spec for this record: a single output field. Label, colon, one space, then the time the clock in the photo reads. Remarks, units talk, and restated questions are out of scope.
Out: 2:10
